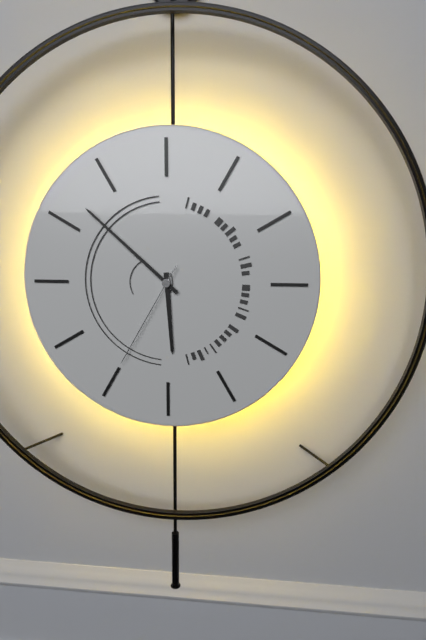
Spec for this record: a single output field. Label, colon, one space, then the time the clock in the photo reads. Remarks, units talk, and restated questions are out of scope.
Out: 5:52:35
